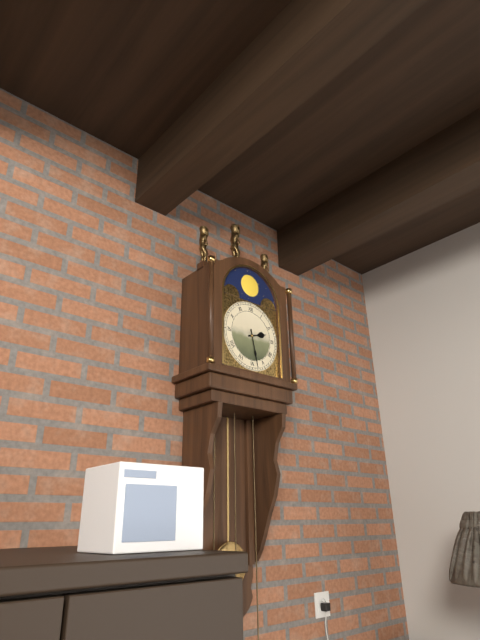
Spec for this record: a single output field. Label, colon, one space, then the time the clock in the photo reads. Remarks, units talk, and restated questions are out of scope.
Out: 2:28
